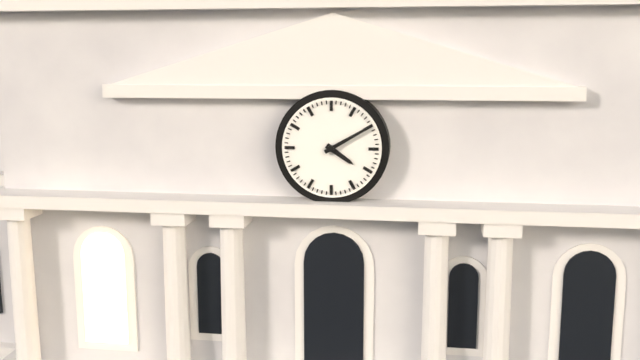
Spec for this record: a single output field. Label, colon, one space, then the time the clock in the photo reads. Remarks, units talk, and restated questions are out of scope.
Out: 4:10
